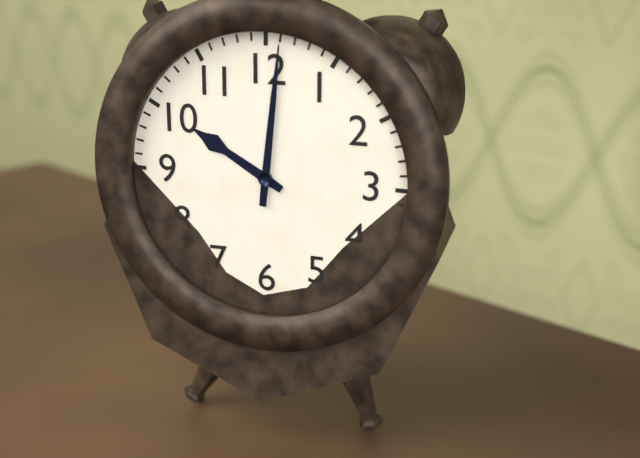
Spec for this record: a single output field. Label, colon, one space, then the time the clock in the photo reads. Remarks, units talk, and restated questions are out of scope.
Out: 10:01
